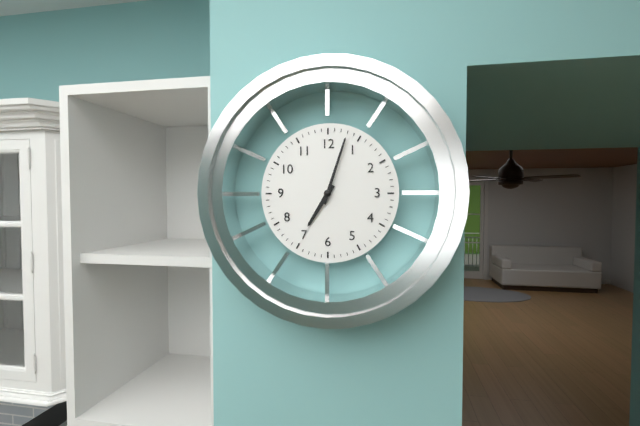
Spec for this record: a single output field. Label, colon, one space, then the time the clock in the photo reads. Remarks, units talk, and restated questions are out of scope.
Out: 7:03
